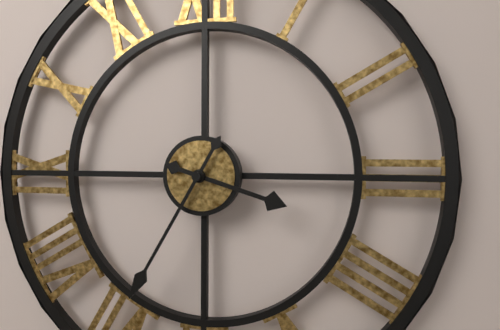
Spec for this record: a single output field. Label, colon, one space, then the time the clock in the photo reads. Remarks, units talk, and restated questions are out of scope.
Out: 3:35
